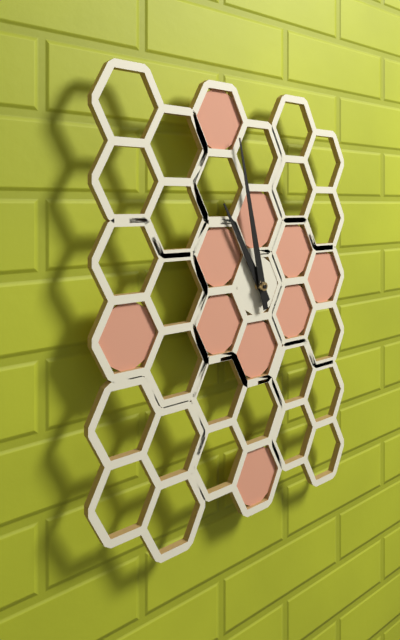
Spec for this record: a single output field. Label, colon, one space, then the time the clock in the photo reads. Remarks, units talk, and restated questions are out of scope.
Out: 10:58
